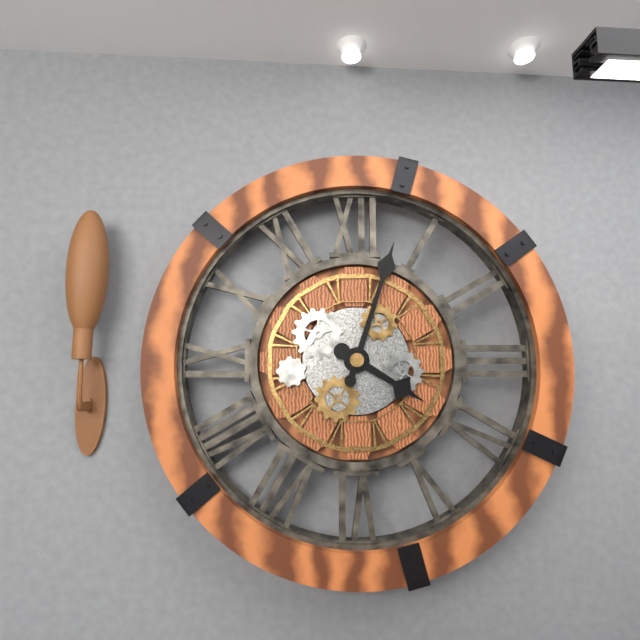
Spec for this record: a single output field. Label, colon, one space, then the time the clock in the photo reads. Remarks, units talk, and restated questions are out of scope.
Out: 4:03
